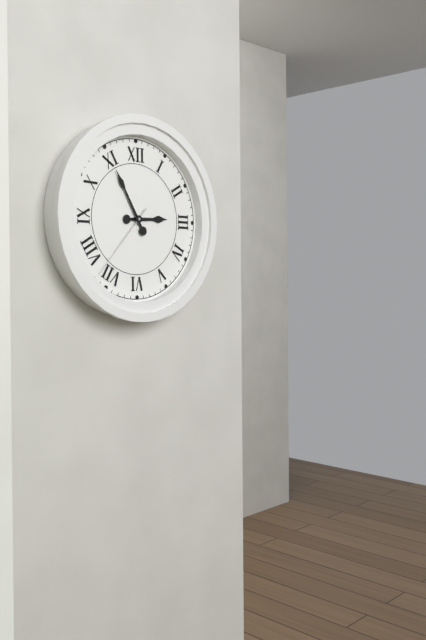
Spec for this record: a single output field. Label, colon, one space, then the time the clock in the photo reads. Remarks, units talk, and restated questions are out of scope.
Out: 2:55:37
